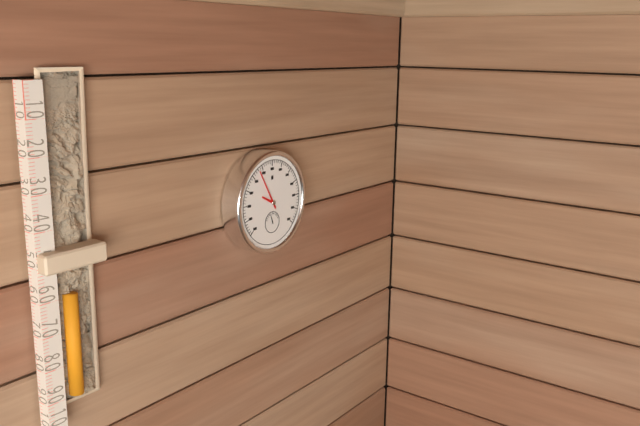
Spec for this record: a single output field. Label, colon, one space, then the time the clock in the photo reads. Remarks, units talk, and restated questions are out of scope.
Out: 9:55
